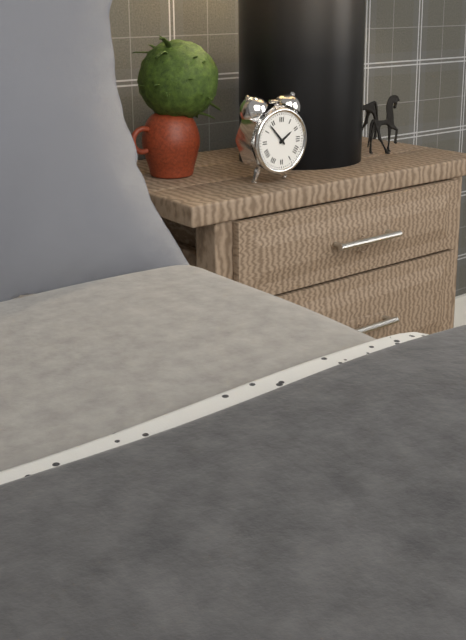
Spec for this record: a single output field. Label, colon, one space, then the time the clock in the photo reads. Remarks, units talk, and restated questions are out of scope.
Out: 1:53
